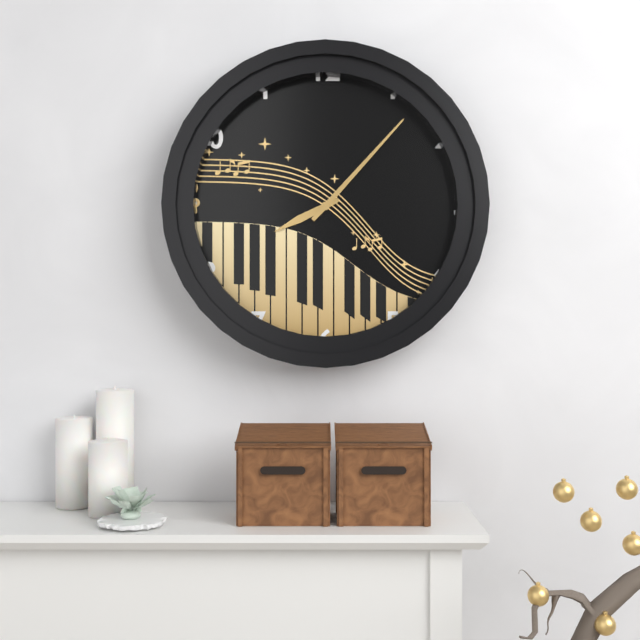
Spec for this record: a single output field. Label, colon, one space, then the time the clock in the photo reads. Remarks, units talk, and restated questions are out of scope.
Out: 8:07
